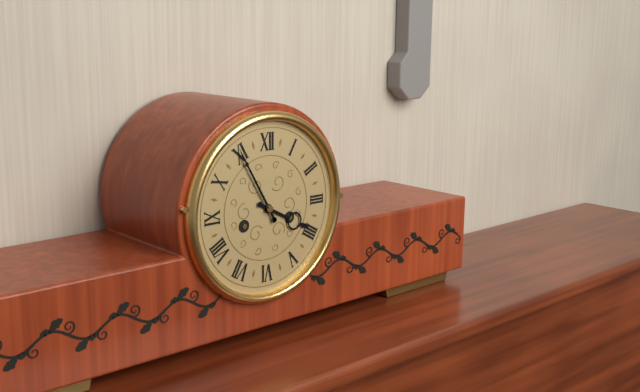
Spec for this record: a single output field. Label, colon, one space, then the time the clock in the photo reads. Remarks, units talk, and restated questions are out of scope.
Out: 3:55
